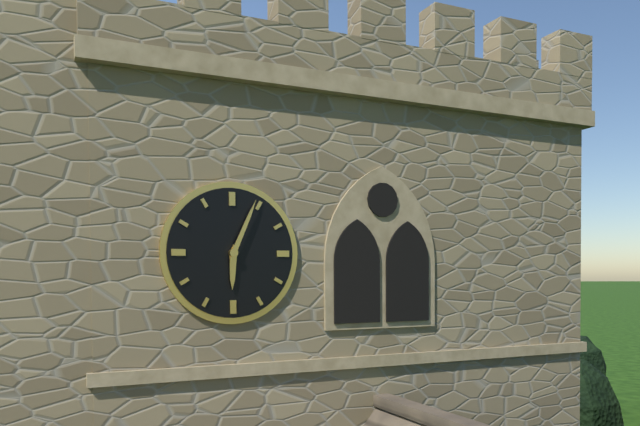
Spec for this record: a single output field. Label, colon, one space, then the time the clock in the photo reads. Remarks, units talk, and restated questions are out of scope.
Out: 6:04
